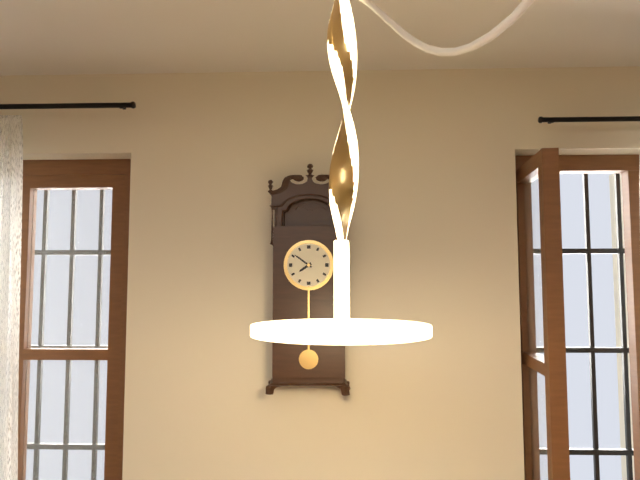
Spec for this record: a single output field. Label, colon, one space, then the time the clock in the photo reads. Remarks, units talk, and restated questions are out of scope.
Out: 7:51
